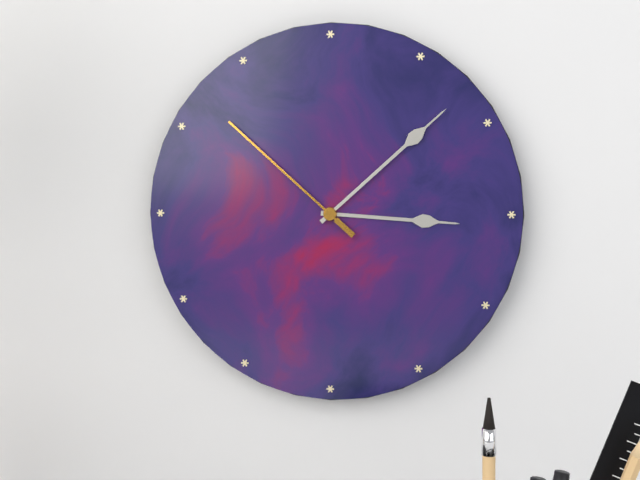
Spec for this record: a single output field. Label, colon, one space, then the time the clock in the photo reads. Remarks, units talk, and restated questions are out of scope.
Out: 3:08:52
